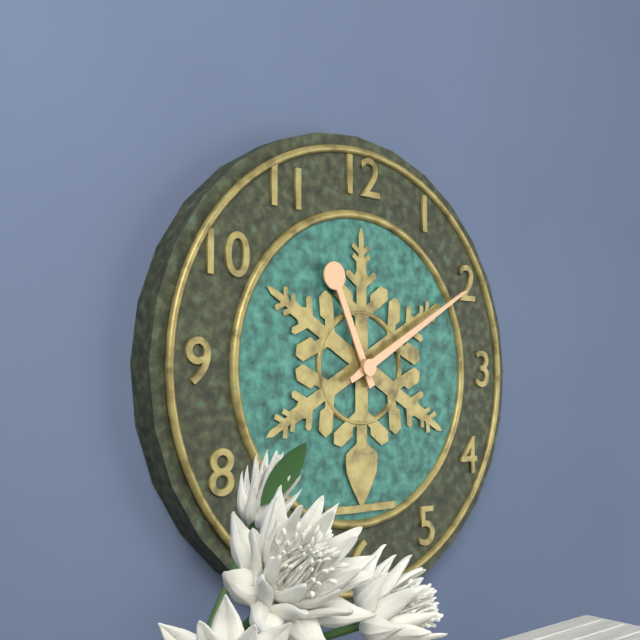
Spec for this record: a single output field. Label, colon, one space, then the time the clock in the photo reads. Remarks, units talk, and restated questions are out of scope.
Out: 11:10
